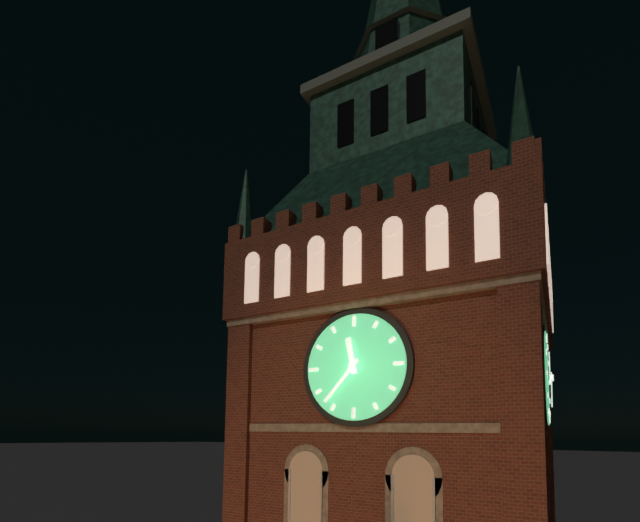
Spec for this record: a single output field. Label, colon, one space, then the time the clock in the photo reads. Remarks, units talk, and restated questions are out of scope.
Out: 11:37
